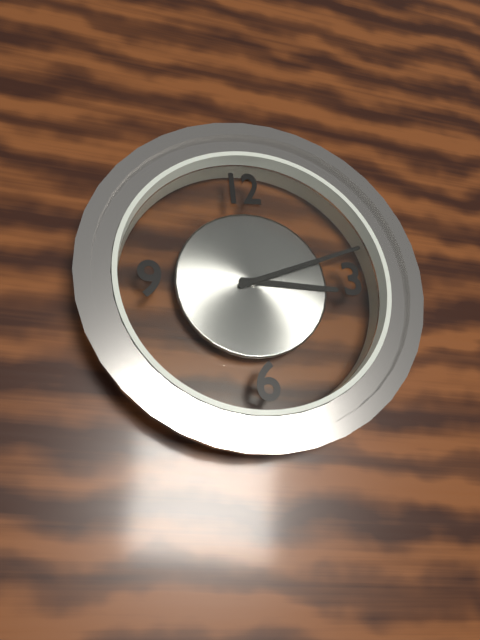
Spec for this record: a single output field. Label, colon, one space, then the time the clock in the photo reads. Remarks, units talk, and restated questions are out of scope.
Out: 3:12
